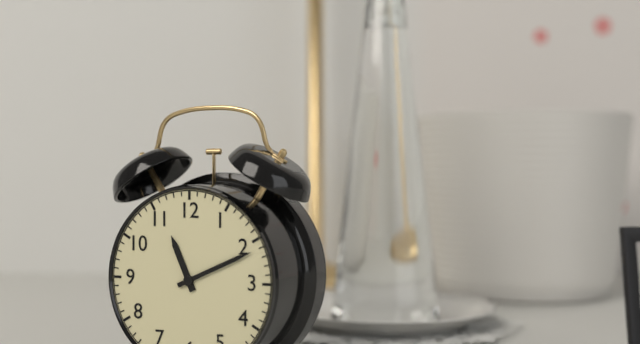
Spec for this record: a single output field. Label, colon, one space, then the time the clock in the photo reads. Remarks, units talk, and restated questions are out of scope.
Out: 11:11
